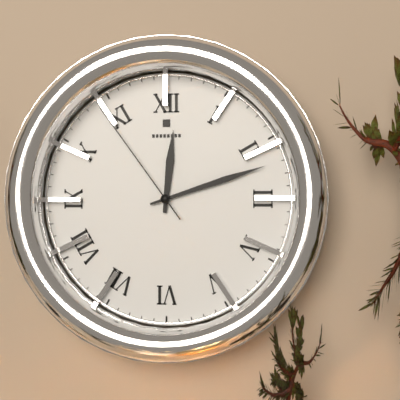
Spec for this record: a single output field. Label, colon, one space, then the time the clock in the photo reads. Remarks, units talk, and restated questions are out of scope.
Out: 12:12:54
